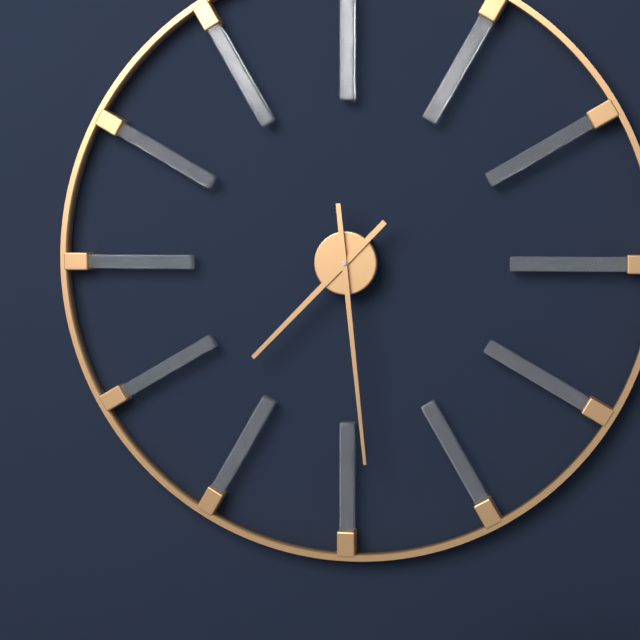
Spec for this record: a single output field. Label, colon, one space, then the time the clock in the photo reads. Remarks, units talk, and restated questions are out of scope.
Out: 7:29
